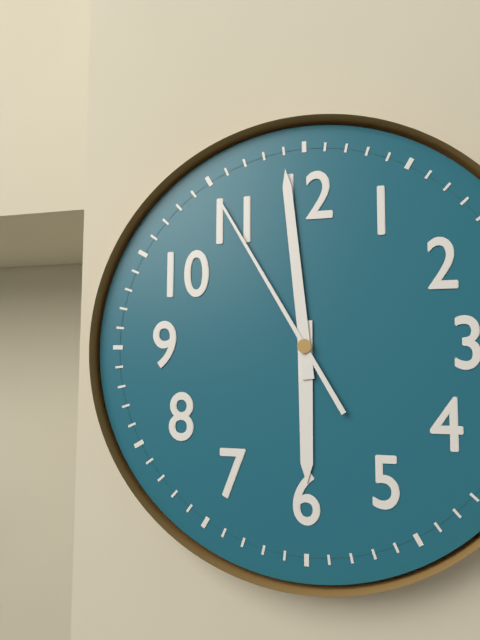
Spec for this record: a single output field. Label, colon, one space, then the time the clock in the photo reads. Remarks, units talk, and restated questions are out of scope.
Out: 5:59:55
